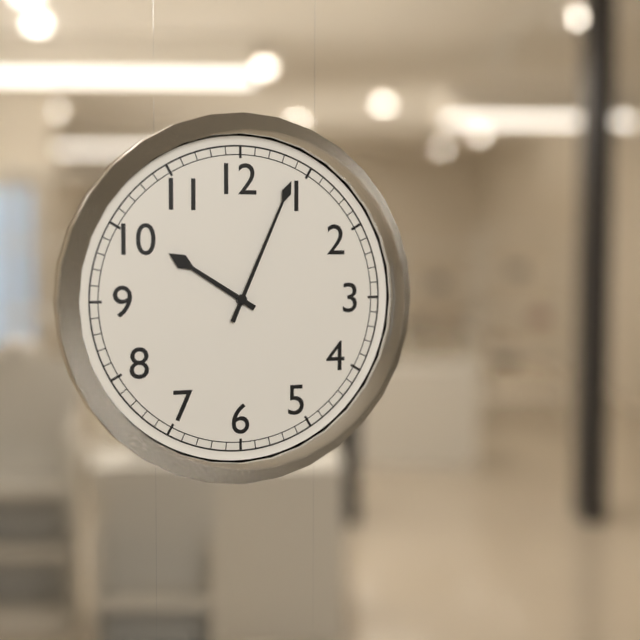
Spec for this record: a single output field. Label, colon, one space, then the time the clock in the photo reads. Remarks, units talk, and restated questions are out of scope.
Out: 10:04
